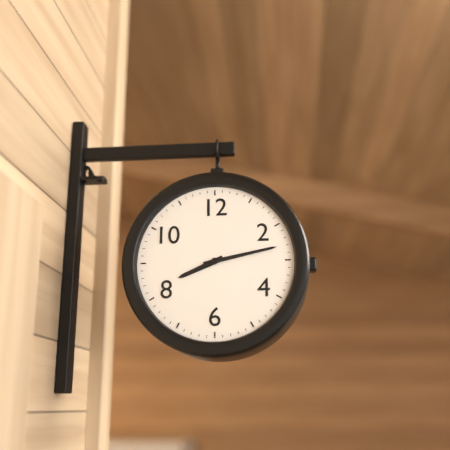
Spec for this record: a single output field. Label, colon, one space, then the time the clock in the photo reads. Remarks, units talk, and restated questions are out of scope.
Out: 8:13
